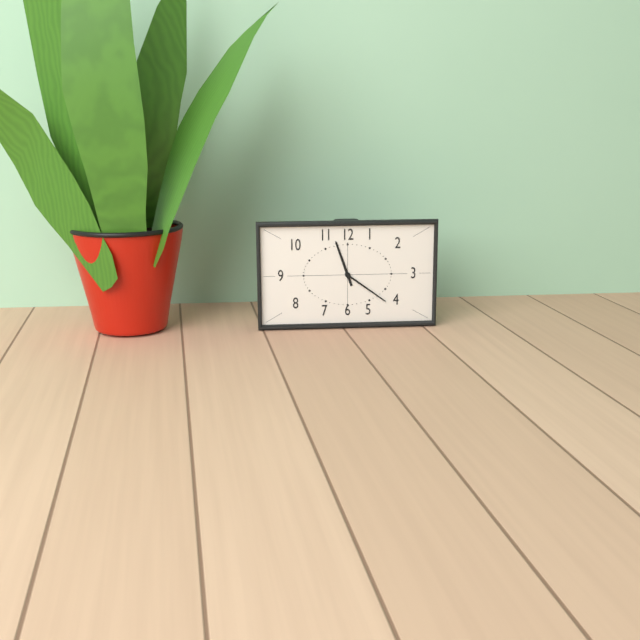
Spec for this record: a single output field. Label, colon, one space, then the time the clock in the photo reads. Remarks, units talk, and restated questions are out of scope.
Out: 11:21
